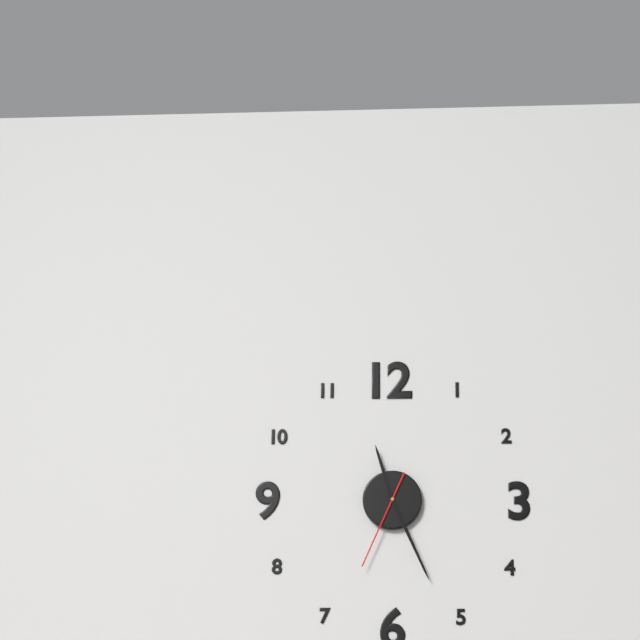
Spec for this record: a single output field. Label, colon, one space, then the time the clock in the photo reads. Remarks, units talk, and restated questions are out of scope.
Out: 11:26:34
